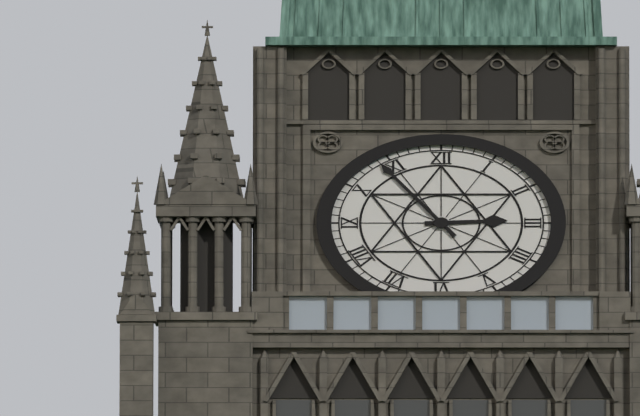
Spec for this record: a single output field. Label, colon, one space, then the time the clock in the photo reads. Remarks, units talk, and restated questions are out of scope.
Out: 2:54
